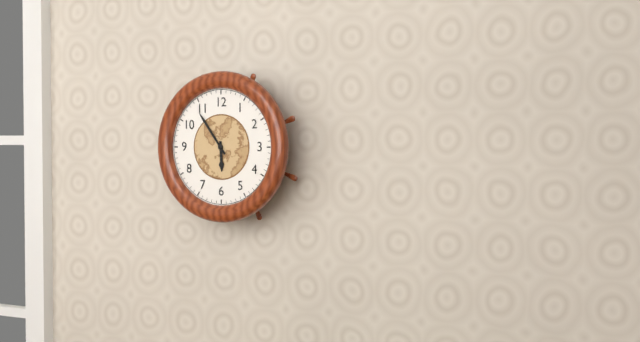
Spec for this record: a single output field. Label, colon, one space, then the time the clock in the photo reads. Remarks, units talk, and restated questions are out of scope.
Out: 5:54
